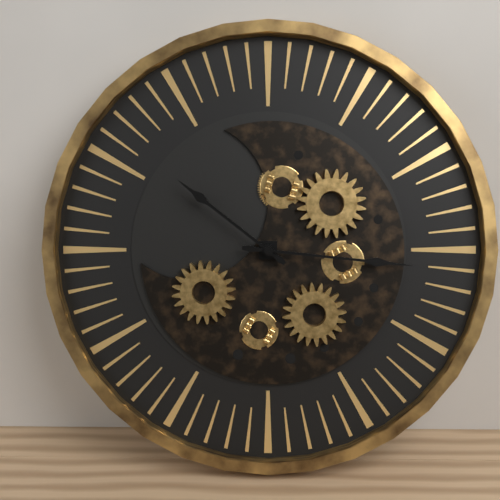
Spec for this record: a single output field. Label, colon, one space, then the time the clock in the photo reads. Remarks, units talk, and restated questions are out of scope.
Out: 10:16
